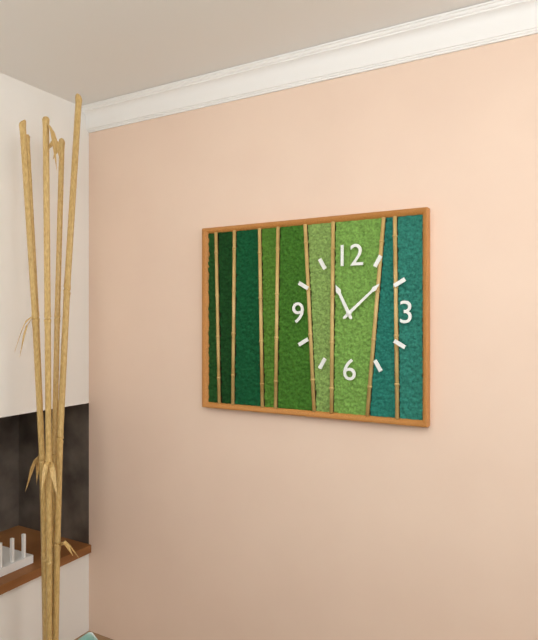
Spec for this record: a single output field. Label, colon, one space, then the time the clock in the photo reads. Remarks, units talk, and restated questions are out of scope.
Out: 11:08
